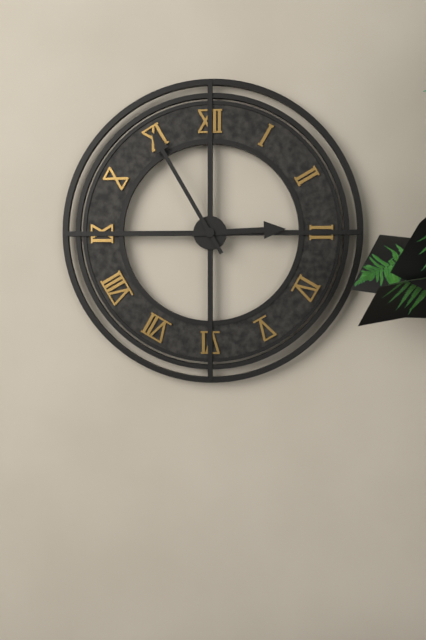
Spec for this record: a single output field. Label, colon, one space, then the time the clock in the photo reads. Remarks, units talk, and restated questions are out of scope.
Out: 2:55
